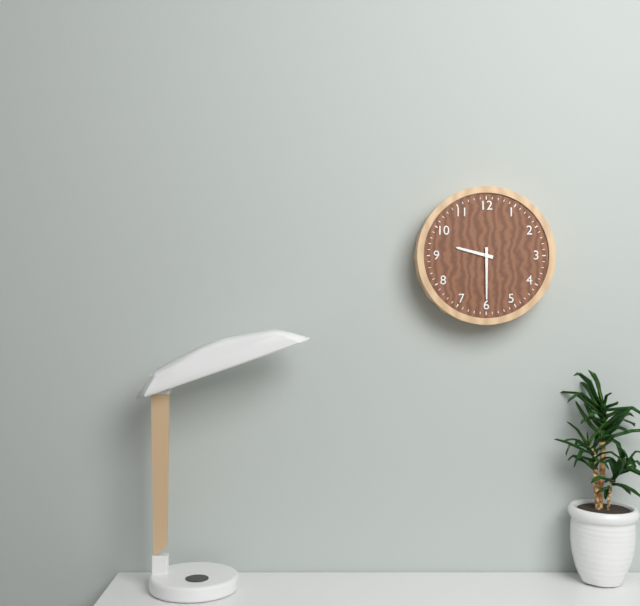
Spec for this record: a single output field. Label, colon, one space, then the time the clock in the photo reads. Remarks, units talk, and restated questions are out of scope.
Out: 9:30
